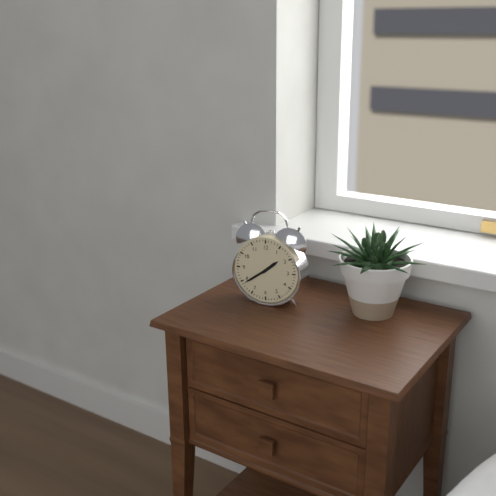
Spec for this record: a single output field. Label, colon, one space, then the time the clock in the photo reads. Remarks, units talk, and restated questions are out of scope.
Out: 1:39
